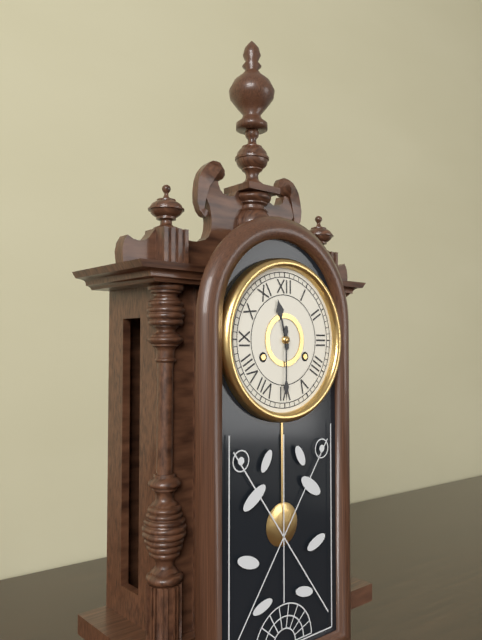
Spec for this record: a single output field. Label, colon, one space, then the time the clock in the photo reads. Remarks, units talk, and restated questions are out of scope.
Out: 11:30
